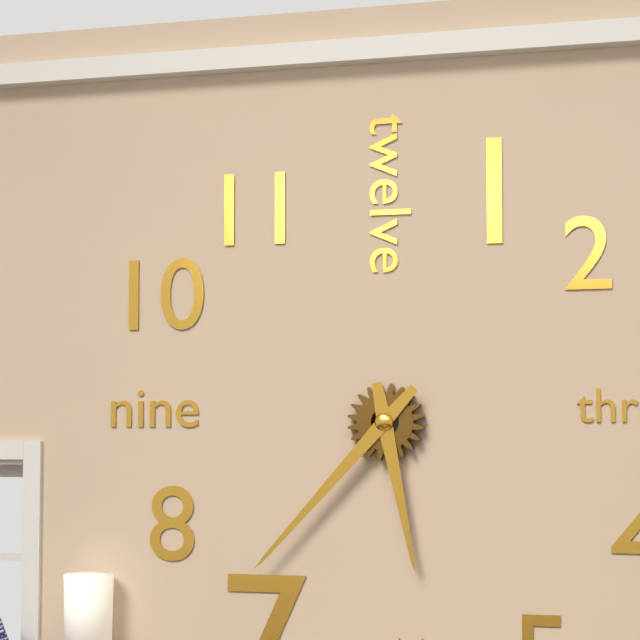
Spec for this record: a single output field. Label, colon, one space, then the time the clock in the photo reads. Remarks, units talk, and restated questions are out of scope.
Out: 5:37
